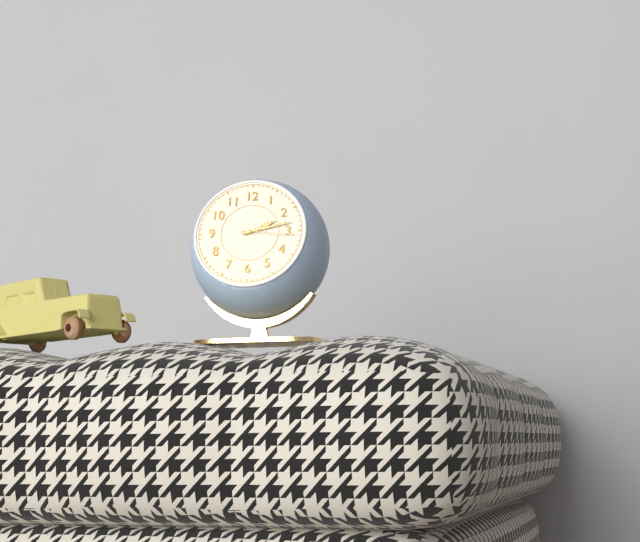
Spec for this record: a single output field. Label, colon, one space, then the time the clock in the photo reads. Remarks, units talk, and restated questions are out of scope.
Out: 2:13
